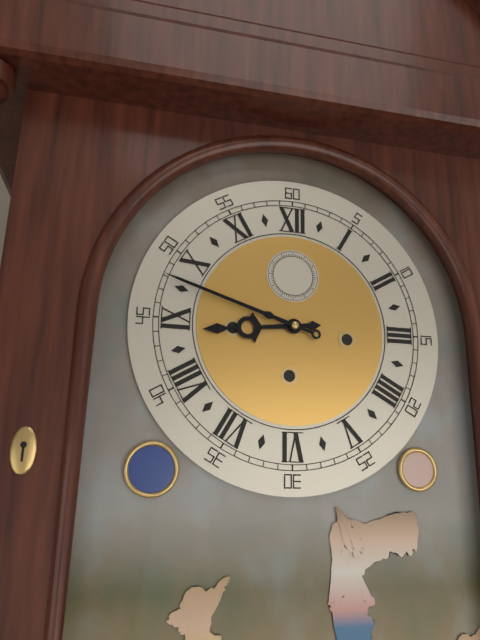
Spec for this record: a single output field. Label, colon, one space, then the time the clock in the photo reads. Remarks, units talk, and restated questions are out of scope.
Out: 8:48
